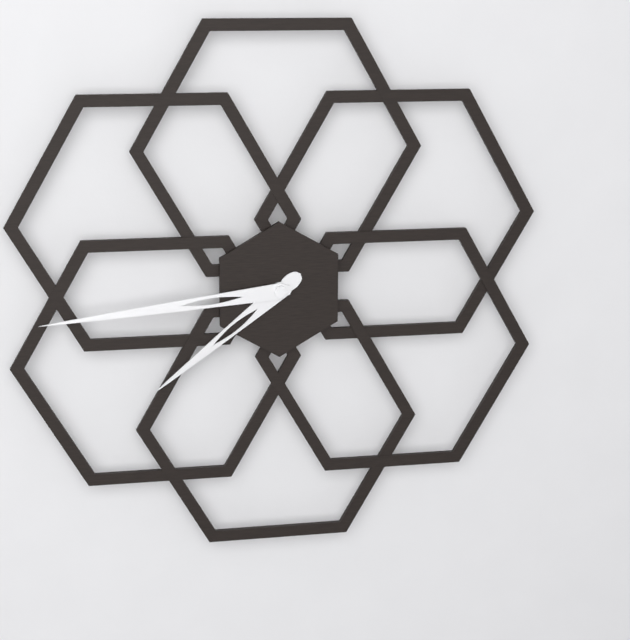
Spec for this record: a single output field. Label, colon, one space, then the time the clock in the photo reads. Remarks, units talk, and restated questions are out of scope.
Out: 7:44
